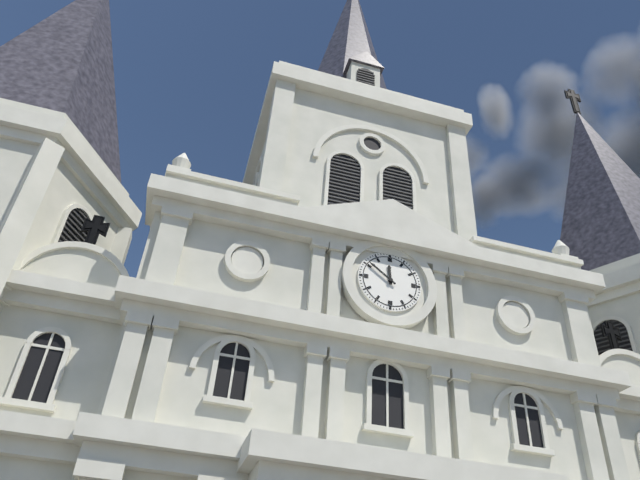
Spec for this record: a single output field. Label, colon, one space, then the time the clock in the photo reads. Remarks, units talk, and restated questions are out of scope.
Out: 11:51
